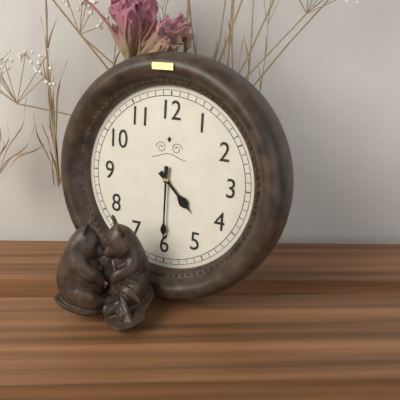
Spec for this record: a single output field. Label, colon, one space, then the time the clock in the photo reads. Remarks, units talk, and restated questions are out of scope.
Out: 4:30
